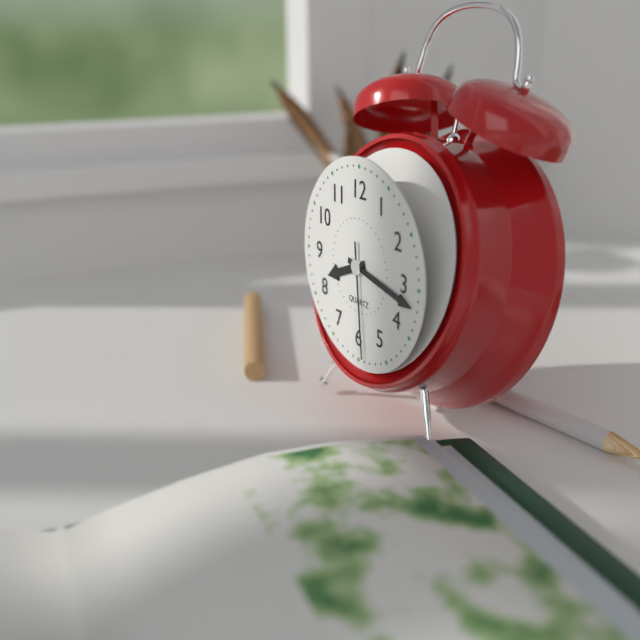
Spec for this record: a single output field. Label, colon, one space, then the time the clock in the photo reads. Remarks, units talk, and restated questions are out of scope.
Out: 8:17:29
